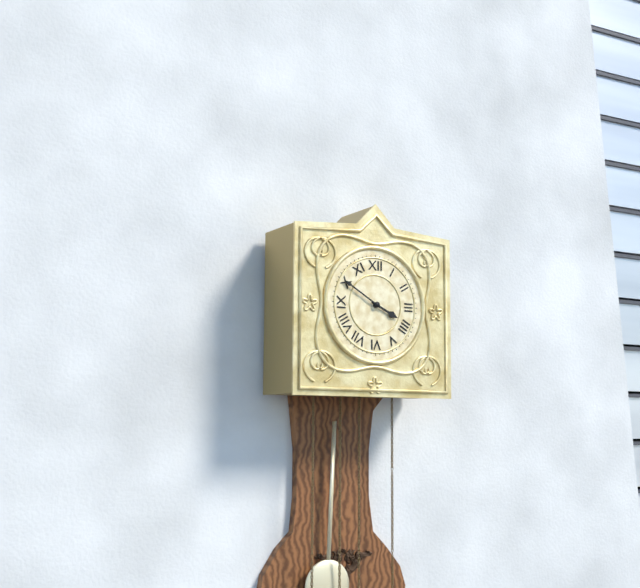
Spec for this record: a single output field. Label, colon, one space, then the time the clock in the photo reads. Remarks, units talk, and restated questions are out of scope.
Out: 3:50
